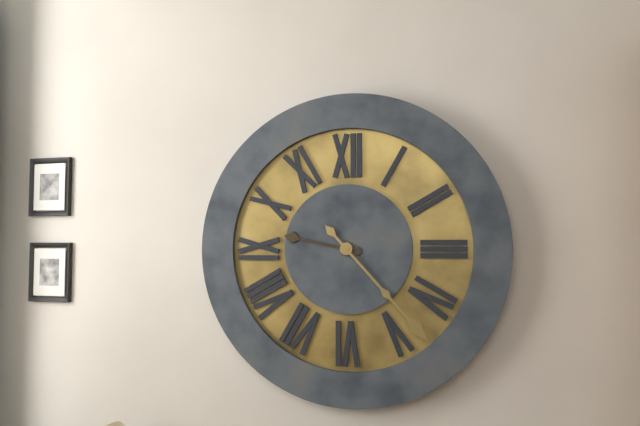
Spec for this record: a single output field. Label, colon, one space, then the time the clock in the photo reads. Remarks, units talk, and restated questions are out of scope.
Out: 9:23
